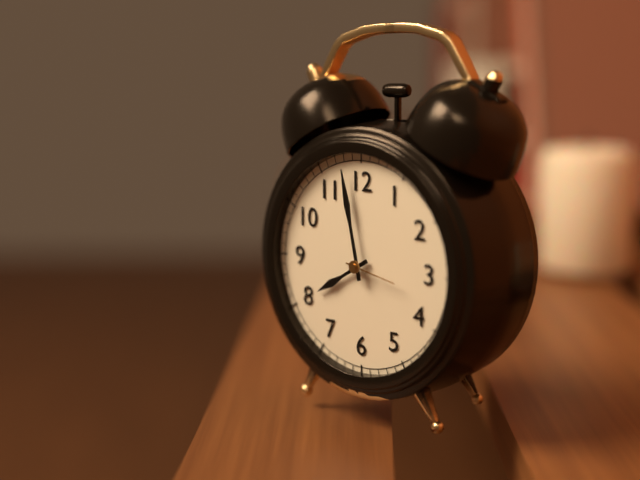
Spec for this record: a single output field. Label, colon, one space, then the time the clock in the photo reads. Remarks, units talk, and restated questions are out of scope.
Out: 7:58
